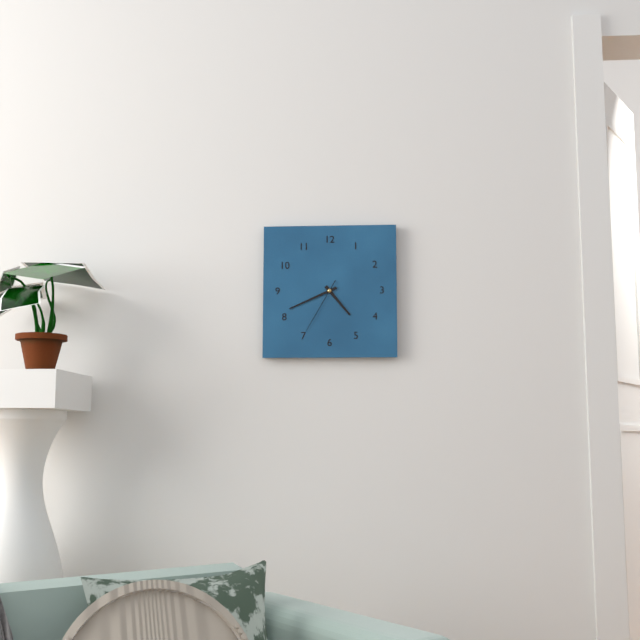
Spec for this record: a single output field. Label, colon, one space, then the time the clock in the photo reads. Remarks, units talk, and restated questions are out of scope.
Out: 4:41:35
